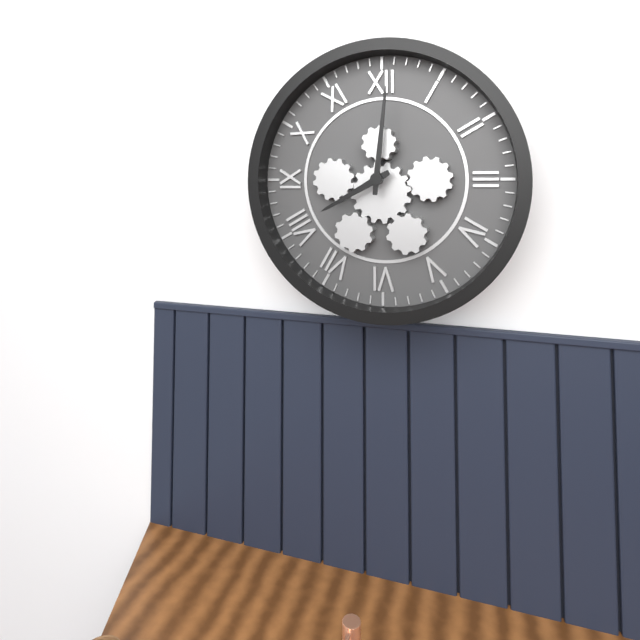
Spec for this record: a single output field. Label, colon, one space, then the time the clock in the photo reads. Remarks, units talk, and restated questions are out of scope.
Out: 8:01
